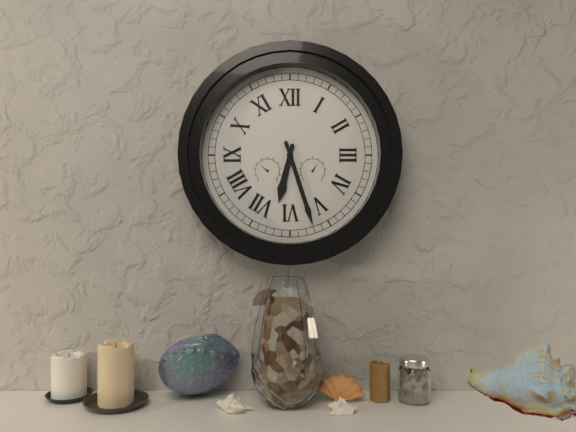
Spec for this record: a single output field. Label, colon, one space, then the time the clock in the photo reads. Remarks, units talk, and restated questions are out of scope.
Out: 6:27
